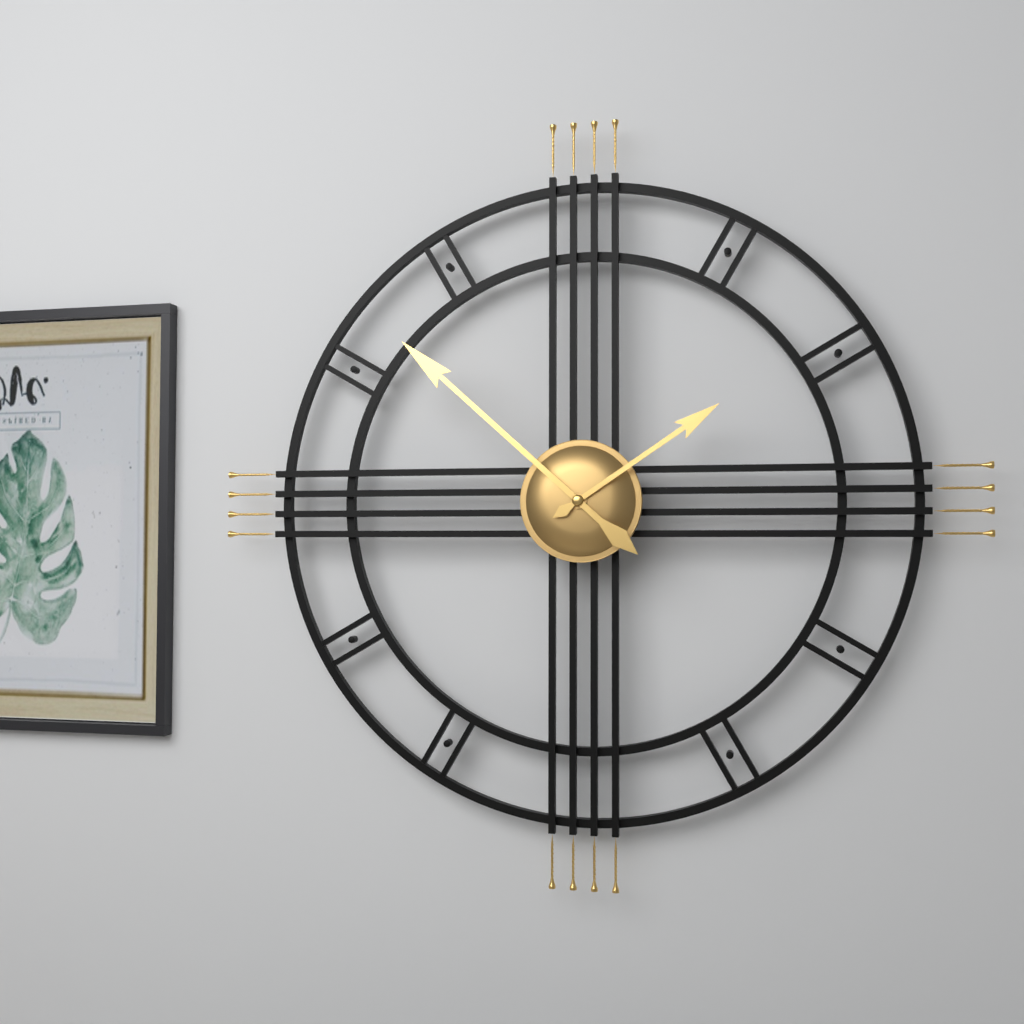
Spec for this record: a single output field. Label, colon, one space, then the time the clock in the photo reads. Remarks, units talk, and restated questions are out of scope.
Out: 1:52
